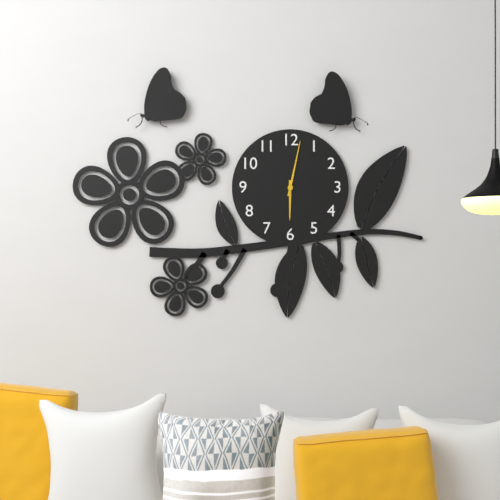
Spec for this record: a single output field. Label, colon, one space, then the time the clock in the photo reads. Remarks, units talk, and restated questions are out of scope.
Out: 6:02
